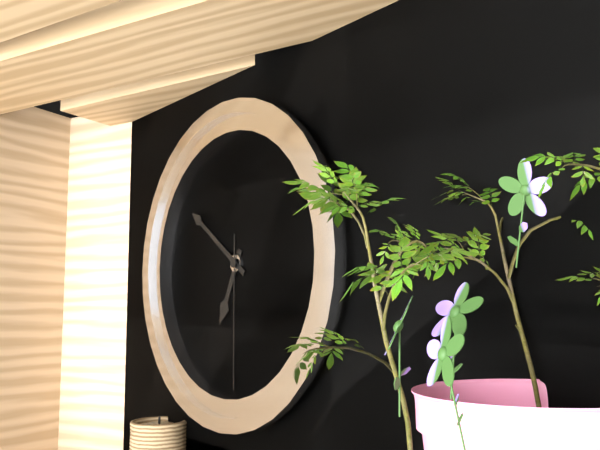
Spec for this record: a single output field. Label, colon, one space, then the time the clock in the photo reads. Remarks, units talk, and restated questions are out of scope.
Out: 6:51:30
